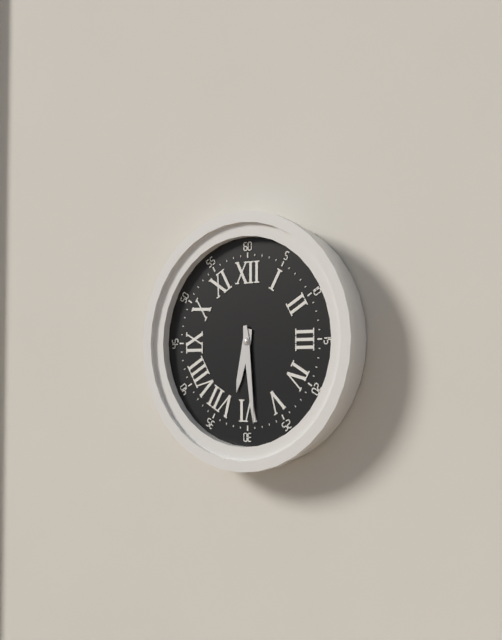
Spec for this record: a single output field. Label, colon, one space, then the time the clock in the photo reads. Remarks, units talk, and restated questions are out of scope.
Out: 6:29
